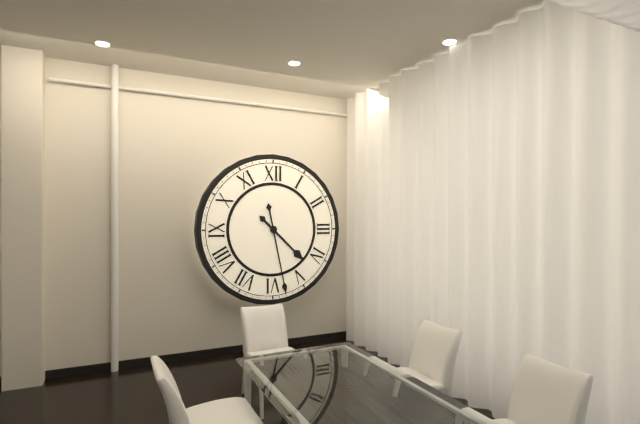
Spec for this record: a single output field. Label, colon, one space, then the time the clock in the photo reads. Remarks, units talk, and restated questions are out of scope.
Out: 4:28
